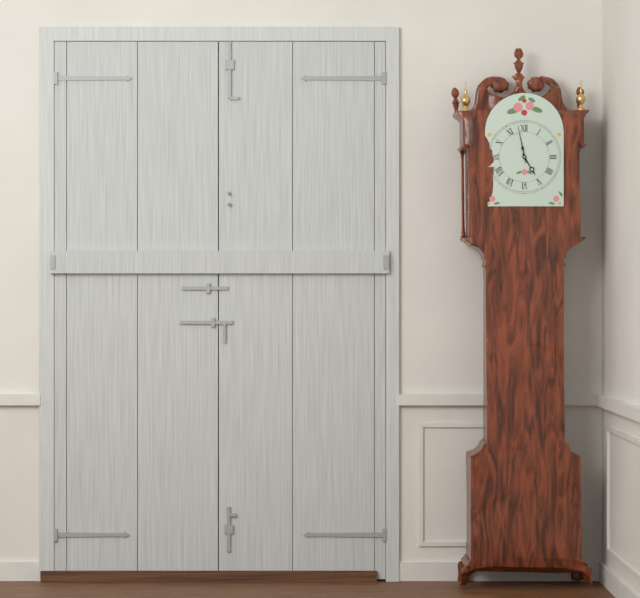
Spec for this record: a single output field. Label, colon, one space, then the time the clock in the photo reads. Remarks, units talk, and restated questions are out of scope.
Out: 4:58
